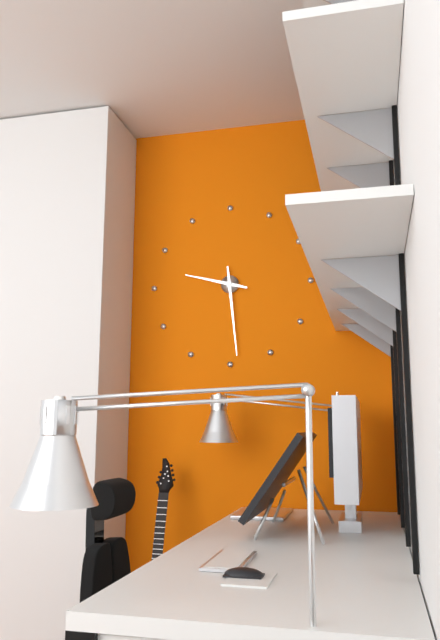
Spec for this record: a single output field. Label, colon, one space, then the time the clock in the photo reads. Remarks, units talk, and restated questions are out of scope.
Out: 9:29
